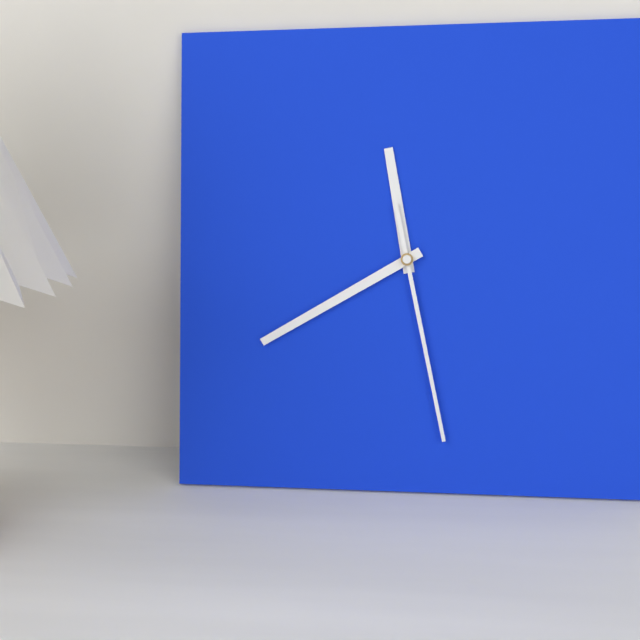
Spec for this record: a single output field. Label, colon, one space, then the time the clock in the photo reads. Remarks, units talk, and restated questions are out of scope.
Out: 11:40:28
